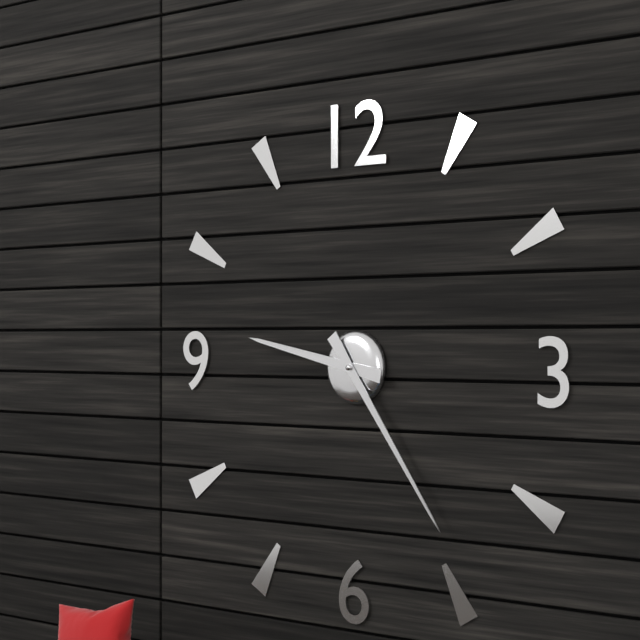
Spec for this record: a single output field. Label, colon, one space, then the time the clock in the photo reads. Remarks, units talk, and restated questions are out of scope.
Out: 9:24
